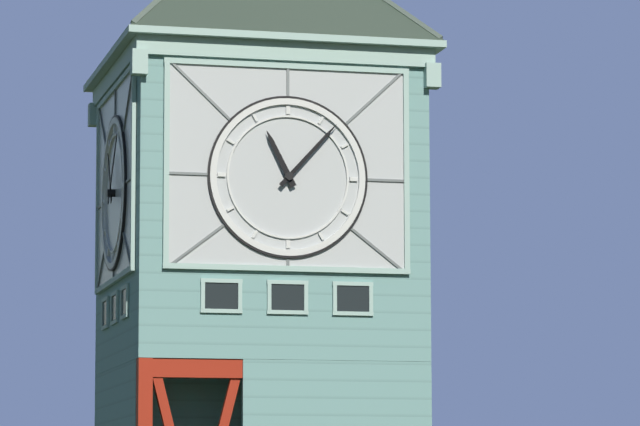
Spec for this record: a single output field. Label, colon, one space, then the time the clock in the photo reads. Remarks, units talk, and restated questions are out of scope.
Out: 11:07
